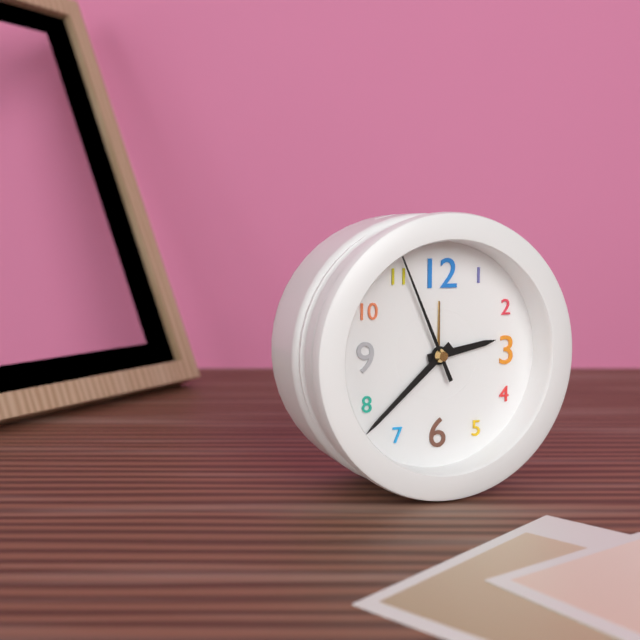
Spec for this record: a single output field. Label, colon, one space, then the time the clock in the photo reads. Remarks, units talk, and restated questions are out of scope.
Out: 2:38:56
